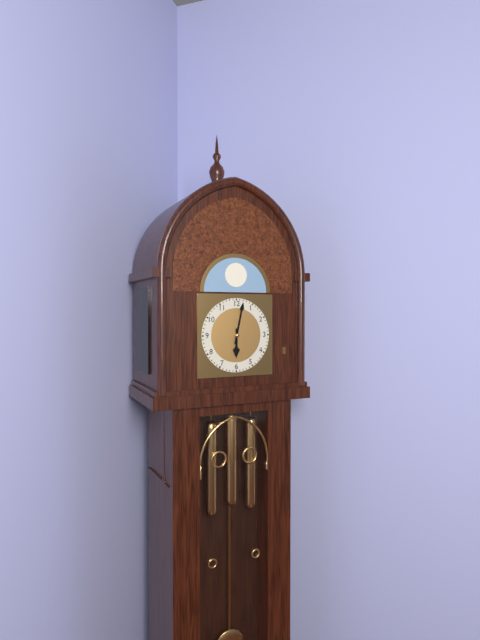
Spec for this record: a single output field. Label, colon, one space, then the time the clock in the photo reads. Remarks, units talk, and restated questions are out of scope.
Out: 6:02
